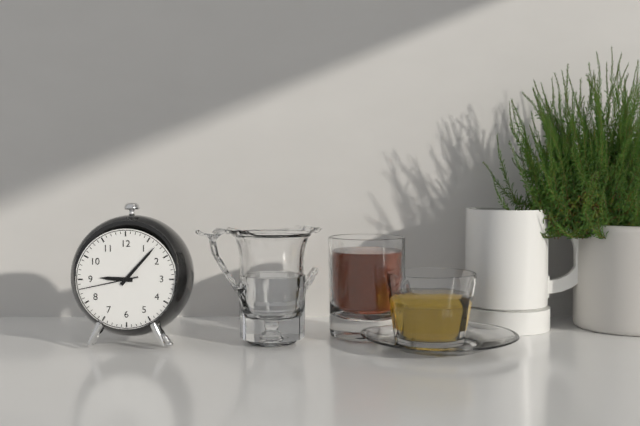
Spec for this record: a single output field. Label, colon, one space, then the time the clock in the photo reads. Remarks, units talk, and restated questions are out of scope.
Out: 9:07:43
